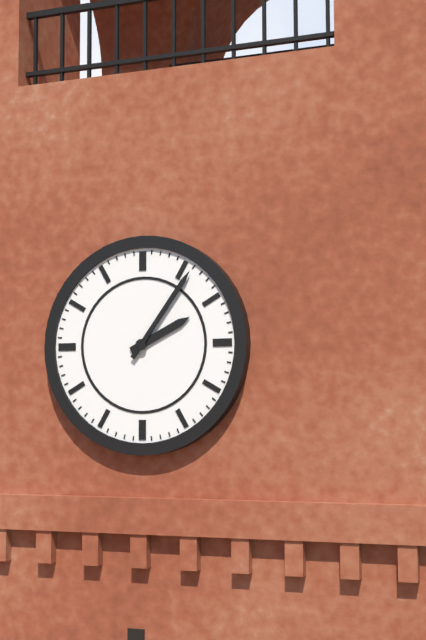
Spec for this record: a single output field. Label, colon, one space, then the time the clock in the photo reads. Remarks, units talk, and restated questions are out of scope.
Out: 2:06
